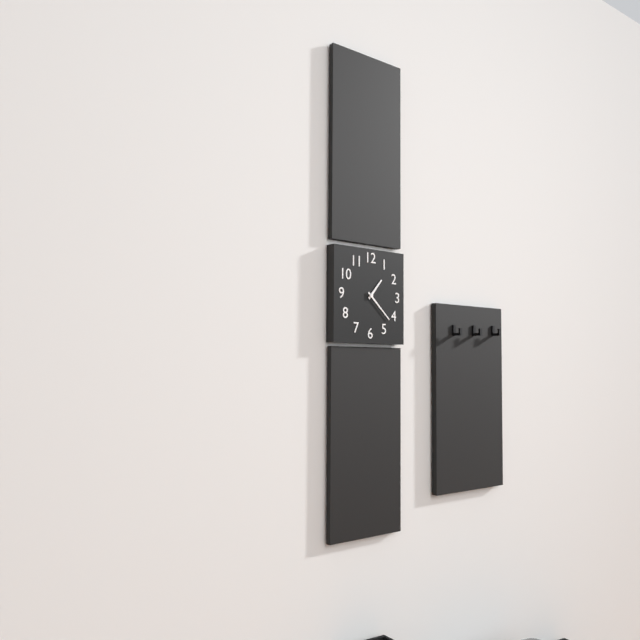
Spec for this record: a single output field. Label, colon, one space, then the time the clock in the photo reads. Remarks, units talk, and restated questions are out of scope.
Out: 1:22
